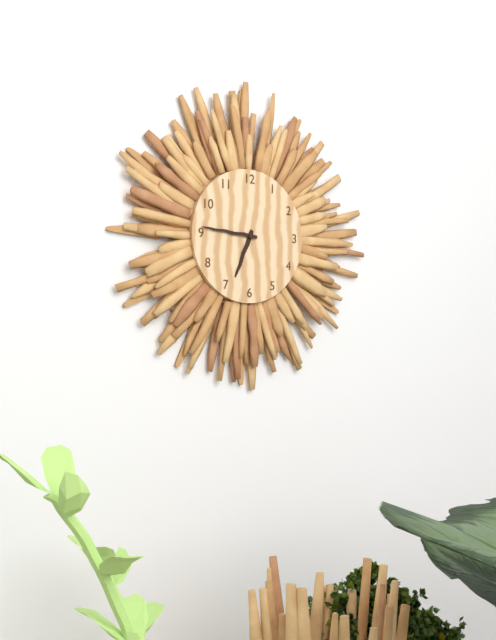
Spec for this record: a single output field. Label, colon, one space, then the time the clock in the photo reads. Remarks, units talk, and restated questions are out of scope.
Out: 6:46
